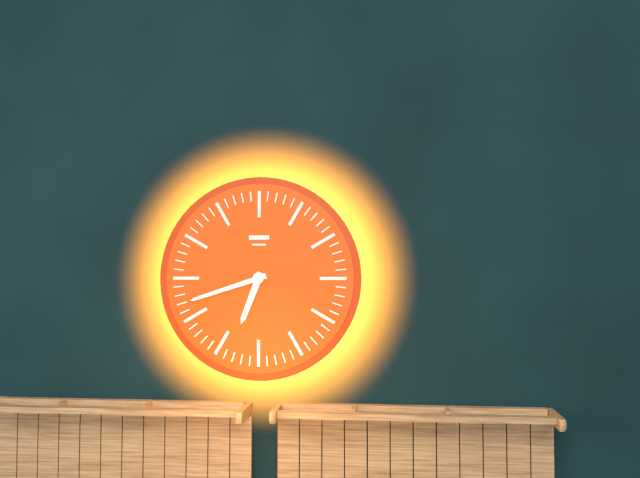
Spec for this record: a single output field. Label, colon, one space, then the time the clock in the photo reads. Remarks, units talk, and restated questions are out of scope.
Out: 6:42
